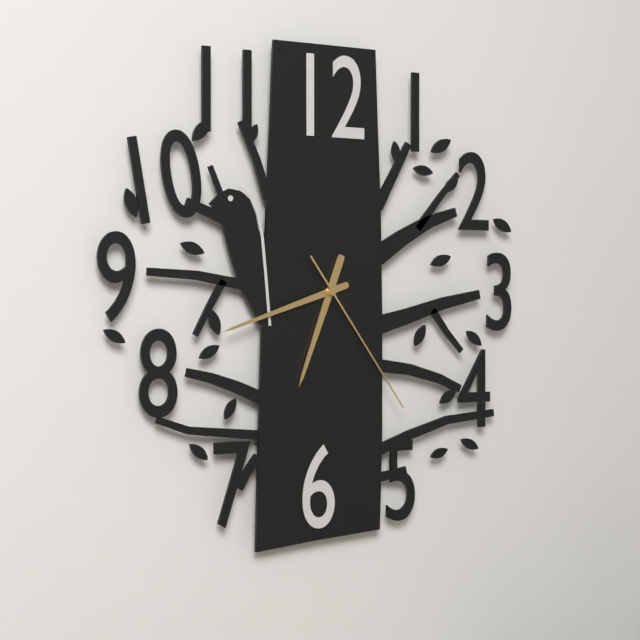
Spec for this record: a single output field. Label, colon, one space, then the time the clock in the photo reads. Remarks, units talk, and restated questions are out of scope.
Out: 6:42:24
